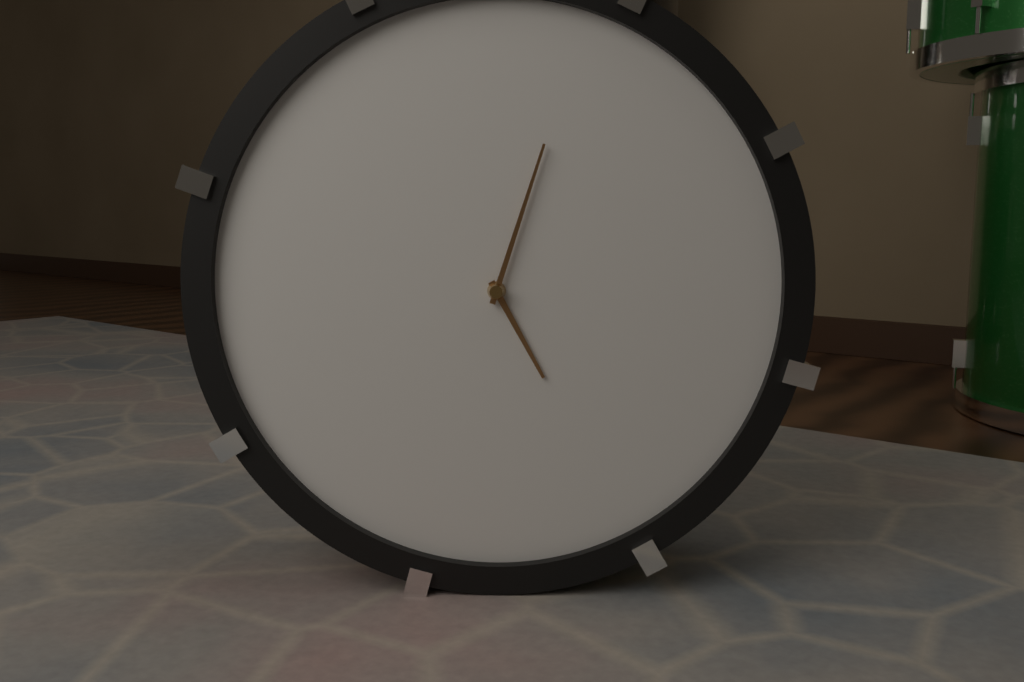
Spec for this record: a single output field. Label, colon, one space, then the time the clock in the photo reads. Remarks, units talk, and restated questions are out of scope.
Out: 5:03
